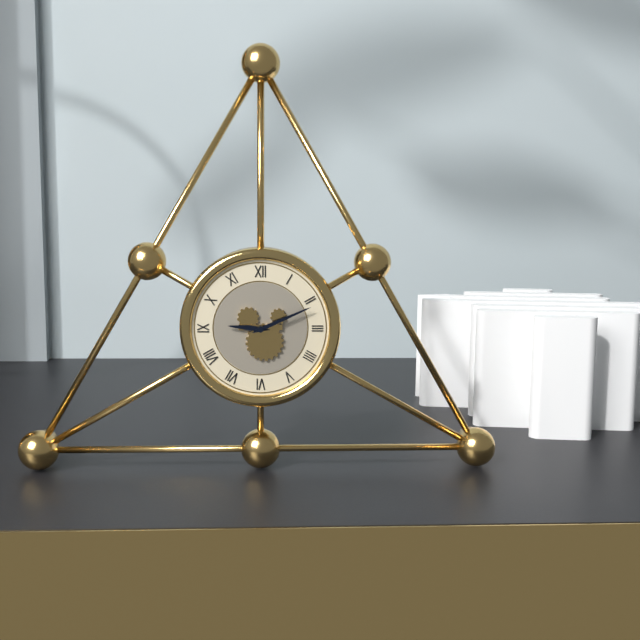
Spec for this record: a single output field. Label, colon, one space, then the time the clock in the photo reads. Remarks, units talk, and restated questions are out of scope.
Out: 9:11
